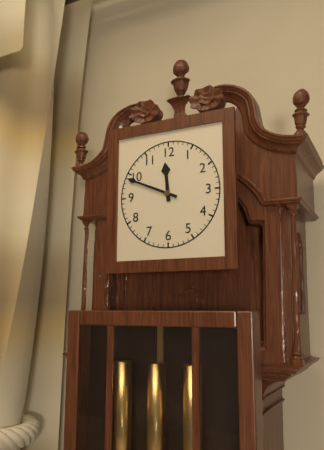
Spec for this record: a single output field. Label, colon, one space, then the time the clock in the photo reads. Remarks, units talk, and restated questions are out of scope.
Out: 11:49
